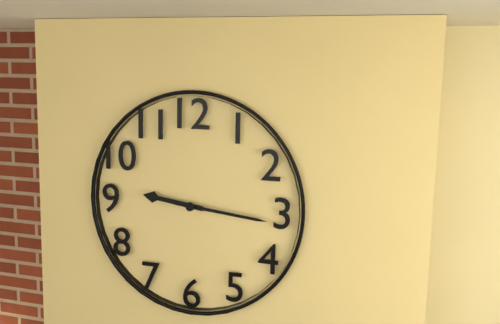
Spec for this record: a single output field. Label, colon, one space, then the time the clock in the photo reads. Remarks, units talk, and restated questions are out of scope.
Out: 9:16
